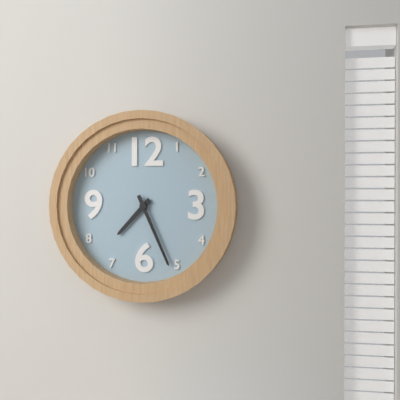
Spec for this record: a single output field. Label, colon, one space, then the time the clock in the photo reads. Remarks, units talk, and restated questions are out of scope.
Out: 7:26
